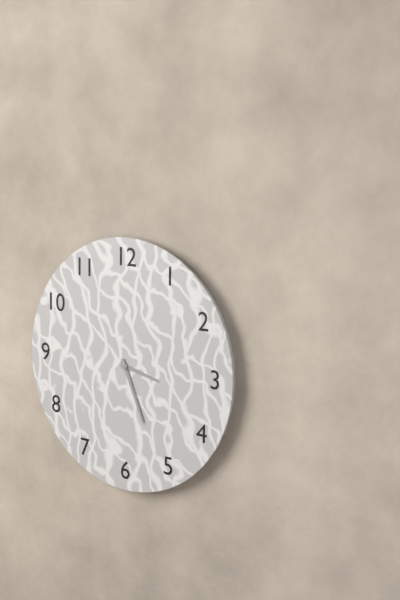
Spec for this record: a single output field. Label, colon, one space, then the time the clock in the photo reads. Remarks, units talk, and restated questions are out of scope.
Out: 3:26
